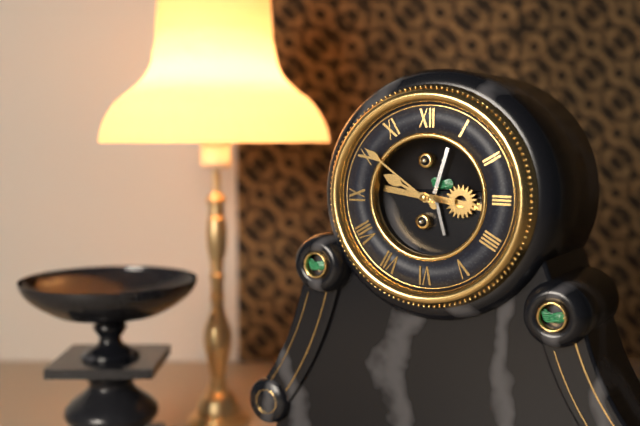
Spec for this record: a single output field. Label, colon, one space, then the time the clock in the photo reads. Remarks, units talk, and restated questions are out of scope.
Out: 9:51
